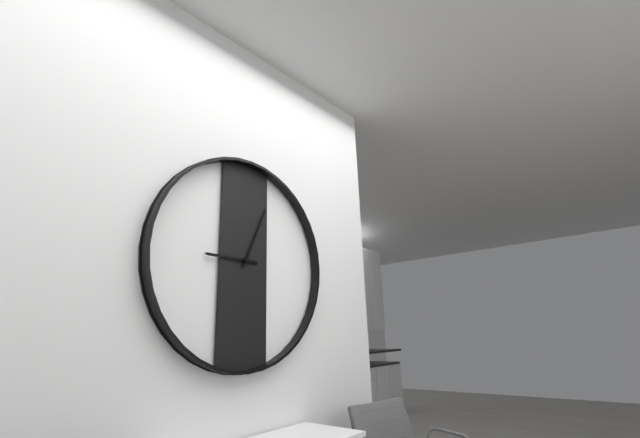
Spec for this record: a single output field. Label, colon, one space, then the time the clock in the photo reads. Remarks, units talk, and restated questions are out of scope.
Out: 9:04
